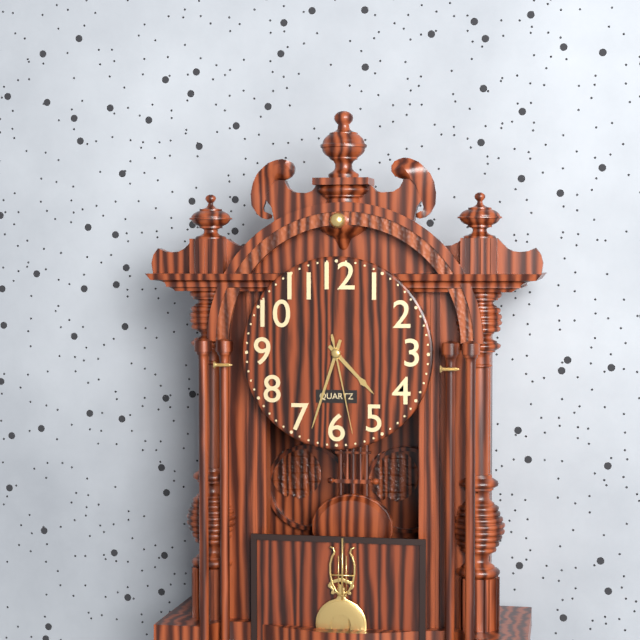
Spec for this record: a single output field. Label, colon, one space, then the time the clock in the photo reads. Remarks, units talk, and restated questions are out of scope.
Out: 4:33:28
